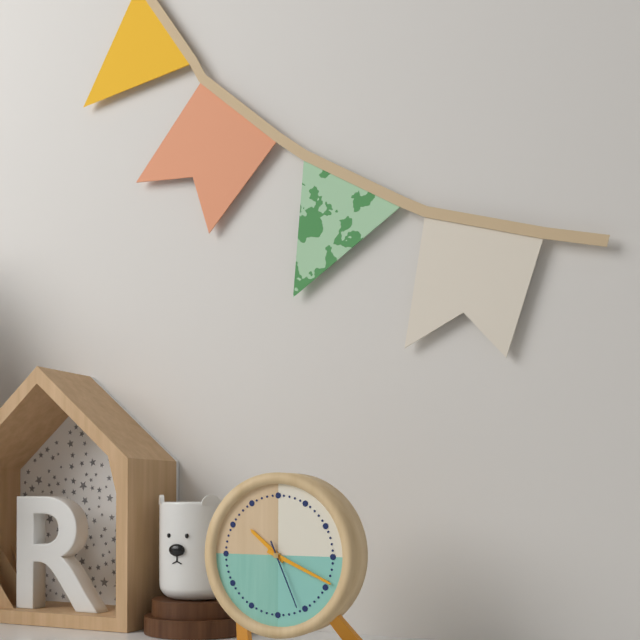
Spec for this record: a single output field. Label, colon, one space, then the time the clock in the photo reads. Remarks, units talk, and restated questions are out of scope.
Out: 10:19:26
